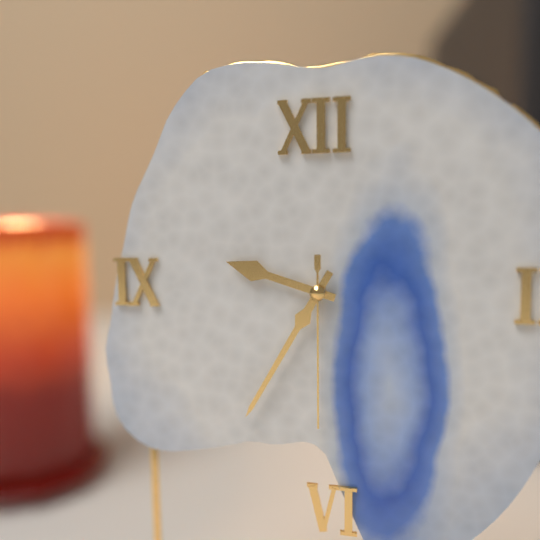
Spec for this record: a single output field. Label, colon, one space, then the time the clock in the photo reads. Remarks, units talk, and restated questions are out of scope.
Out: 9:35:30
